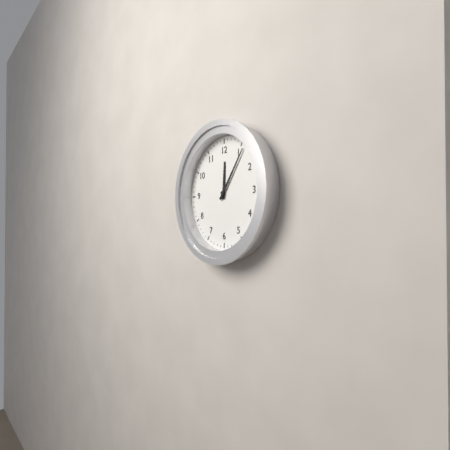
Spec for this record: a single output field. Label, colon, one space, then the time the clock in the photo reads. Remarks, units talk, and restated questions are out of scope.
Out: 12:06
